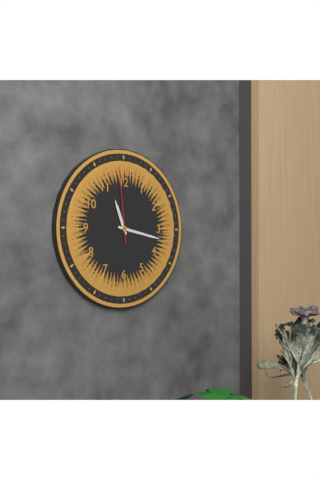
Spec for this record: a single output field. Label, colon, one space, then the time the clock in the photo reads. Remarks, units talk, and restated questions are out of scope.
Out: 11:17:59
